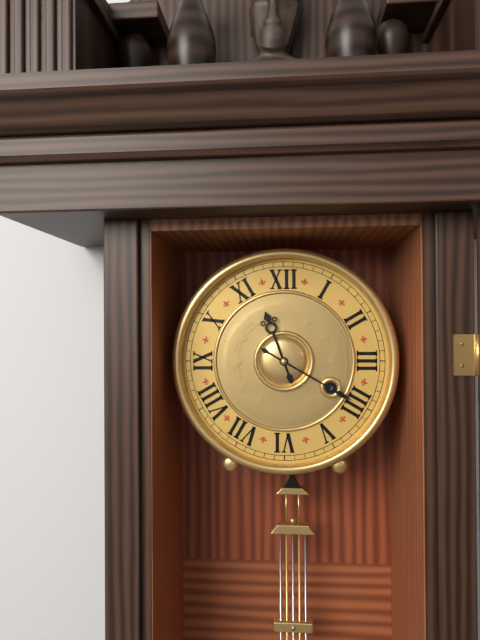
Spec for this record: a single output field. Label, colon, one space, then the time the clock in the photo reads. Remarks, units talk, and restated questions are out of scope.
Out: 11:20
